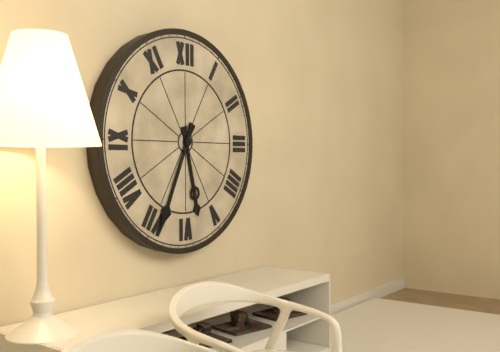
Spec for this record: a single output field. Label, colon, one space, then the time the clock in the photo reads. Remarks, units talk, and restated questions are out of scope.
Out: 5:34
